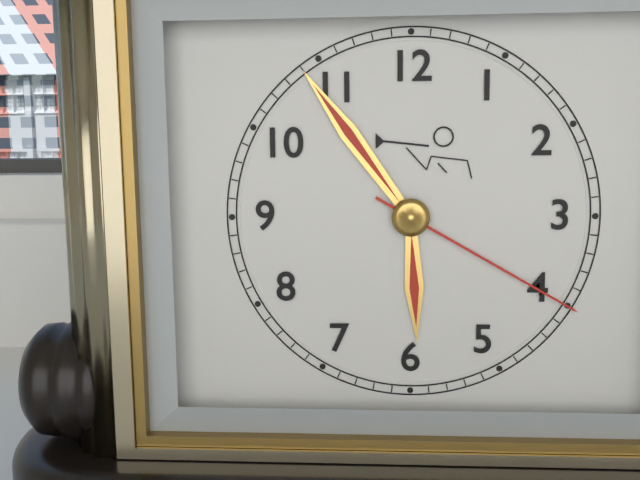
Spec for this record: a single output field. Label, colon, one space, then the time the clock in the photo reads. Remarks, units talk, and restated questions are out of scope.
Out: 5:54:20
